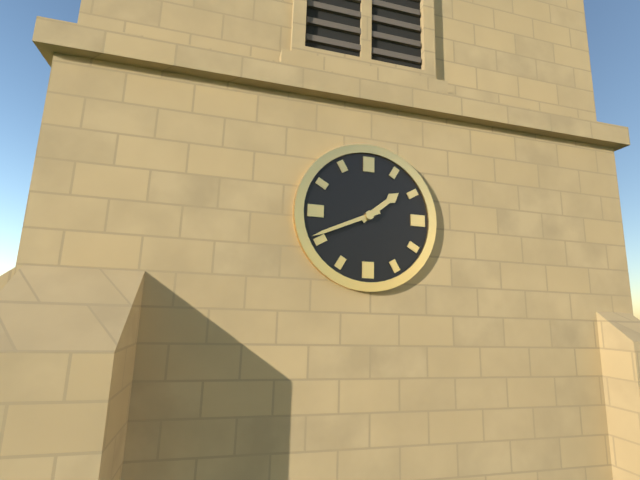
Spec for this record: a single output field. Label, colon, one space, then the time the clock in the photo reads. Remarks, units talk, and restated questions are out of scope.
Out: 1:41
